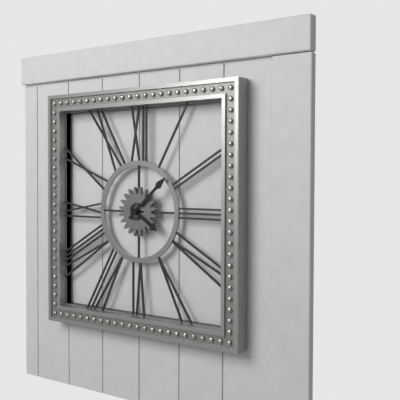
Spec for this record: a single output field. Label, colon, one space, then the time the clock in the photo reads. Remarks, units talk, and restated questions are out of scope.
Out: 4:08
